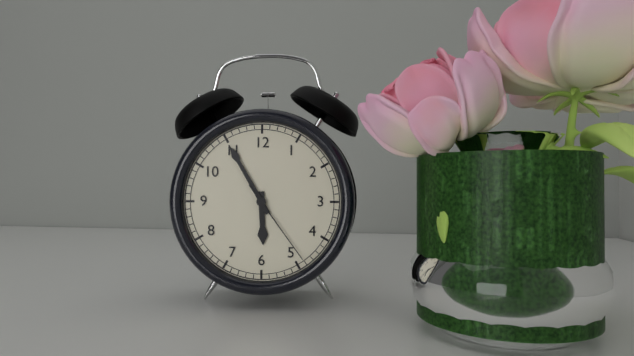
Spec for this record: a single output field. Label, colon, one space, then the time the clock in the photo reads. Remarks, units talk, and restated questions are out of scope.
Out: 5:55:24
